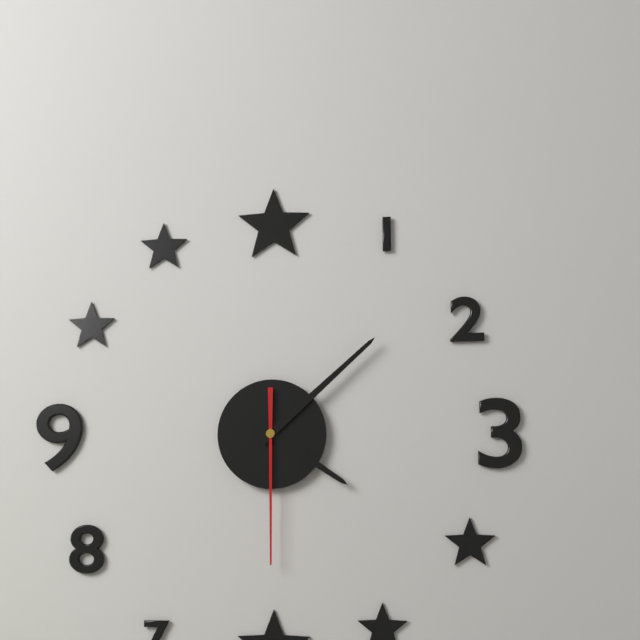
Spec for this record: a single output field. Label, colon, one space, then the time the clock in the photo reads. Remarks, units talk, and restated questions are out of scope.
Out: 4:08:30
